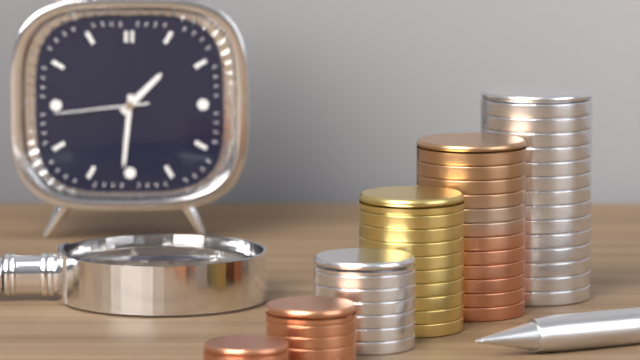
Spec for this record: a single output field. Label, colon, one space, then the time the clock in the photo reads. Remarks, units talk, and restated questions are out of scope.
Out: 1:31:44
